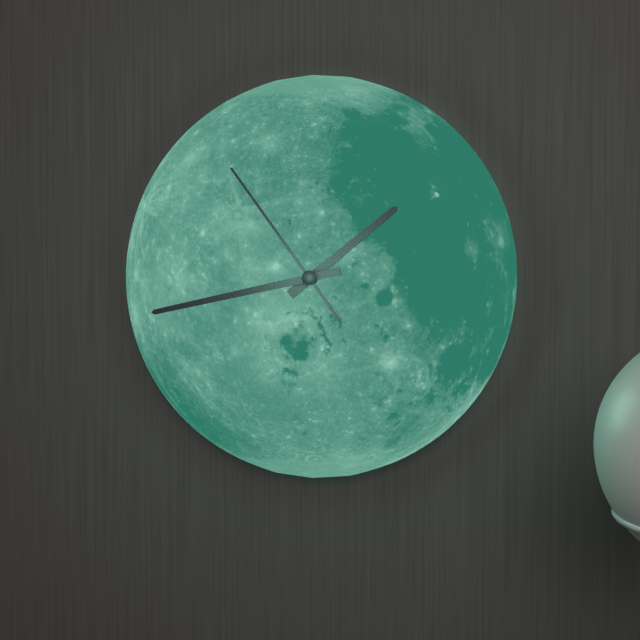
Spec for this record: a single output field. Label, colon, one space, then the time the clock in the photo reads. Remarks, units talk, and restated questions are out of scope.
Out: 1:43:54
